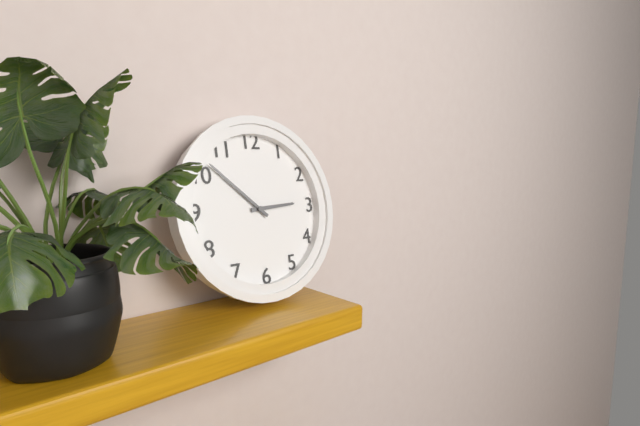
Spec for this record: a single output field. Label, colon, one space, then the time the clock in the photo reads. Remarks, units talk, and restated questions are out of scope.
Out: 2:52
